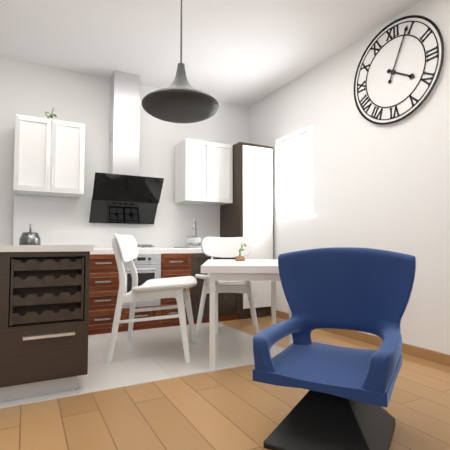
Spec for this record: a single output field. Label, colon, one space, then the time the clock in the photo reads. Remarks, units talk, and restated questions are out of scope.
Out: 4:04
